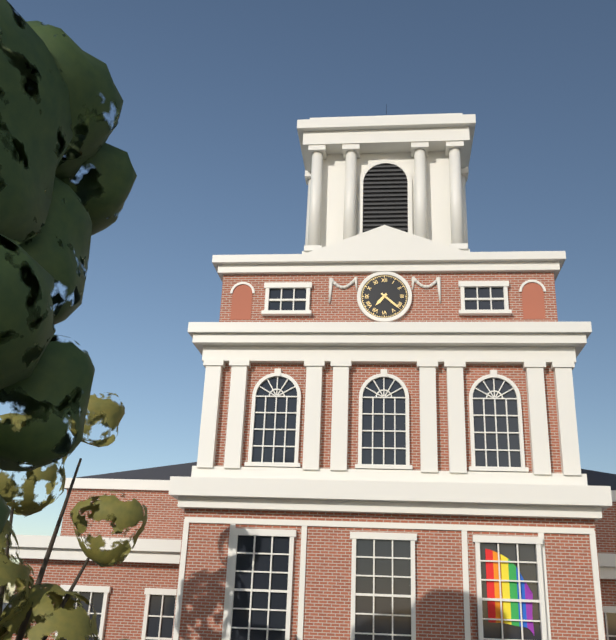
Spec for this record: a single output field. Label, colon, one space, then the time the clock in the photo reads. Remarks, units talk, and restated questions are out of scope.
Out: 7:22
